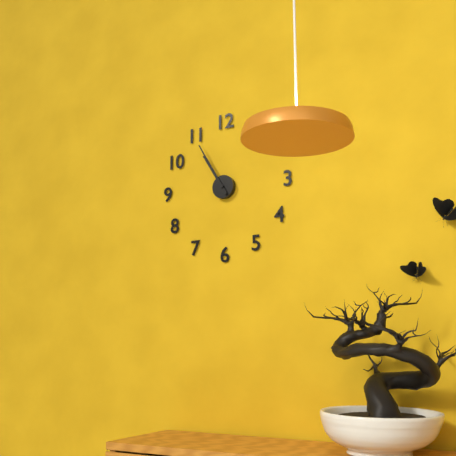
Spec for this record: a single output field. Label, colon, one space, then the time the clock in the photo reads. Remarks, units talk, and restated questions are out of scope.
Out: 10:55
